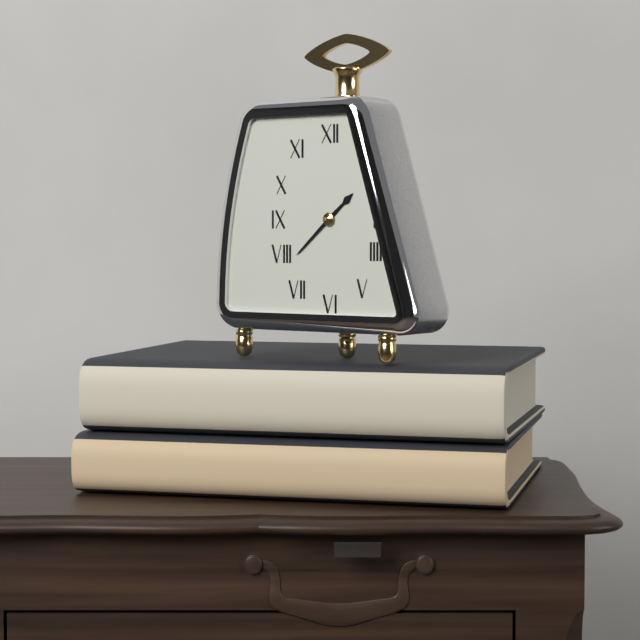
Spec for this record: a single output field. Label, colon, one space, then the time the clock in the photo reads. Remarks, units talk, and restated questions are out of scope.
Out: 1:38
